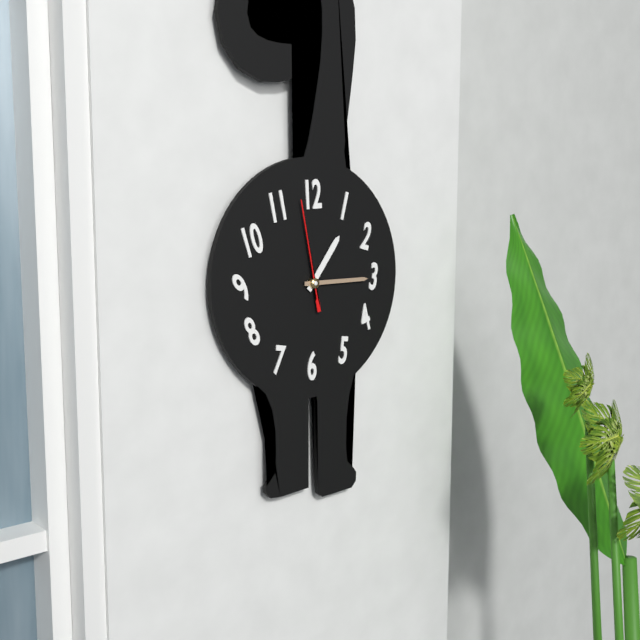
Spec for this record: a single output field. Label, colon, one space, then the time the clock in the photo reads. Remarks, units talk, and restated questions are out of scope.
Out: 1:15:58
